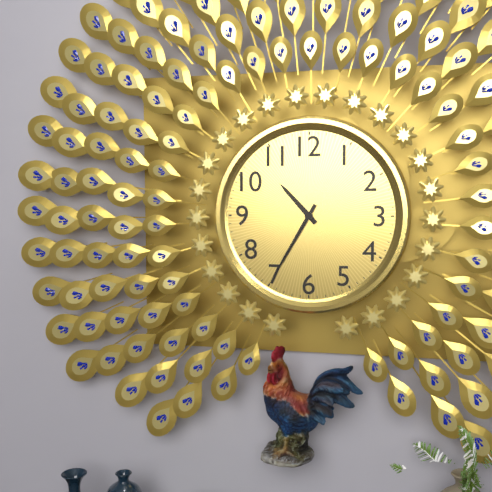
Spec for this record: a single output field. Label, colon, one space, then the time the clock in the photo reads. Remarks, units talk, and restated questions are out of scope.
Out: 10:35
